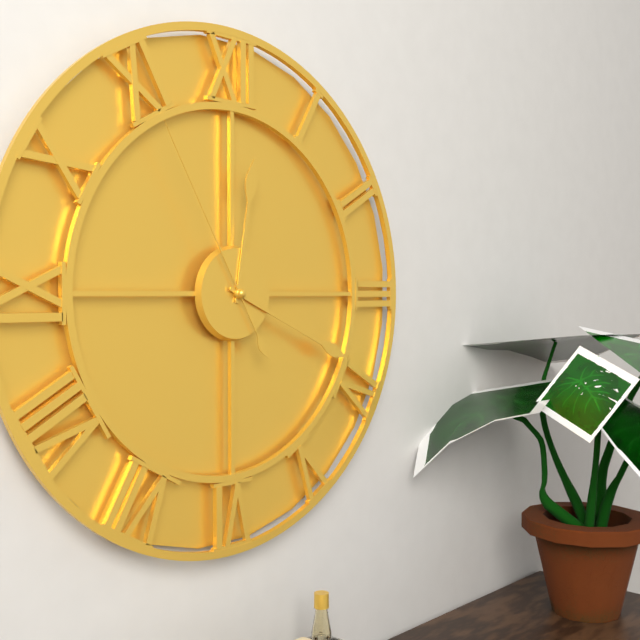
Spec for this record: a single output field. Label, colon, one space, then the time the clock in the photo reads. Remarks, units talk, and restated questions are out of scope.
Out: 12:19:55
